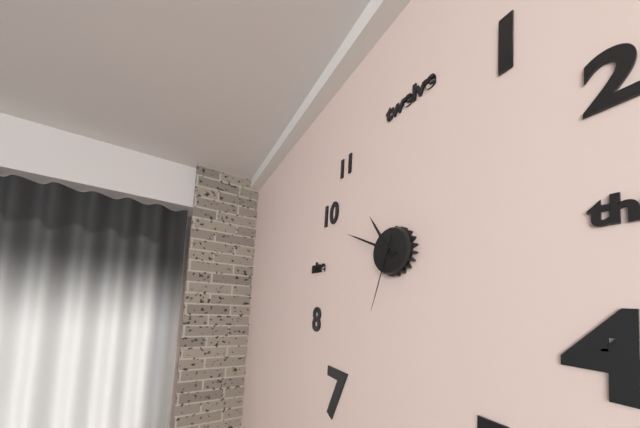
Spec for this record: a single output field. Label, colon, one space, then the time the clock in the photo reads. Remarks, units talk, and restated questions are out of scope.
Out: 10:49:33
